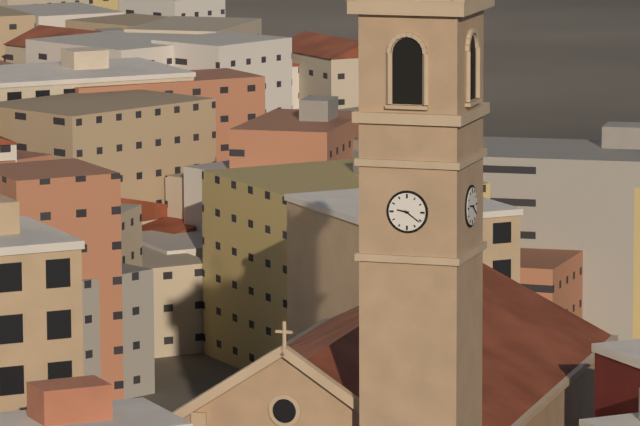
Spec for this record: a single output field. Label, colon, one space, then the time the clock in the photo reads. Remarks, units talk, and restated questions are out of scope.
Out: 9:21
